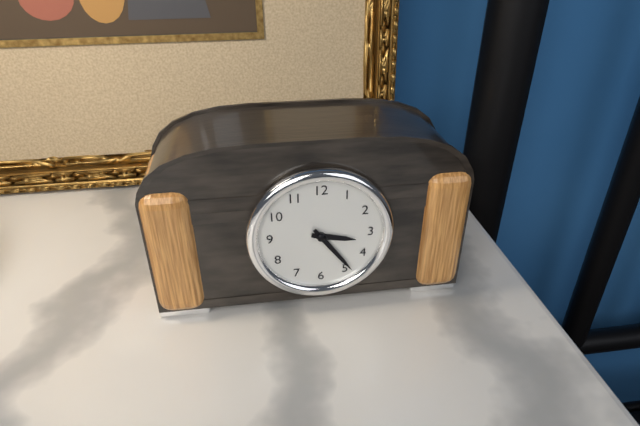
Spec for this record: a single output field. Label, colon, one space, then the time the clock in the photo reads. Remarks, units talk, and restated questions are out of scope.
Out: 3:24
